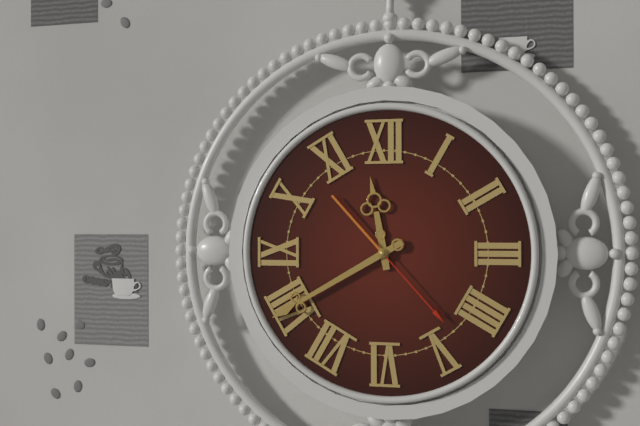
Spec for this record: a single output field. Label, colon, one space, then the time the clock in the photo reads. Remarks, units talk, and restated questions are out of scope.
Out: 11:40:23
